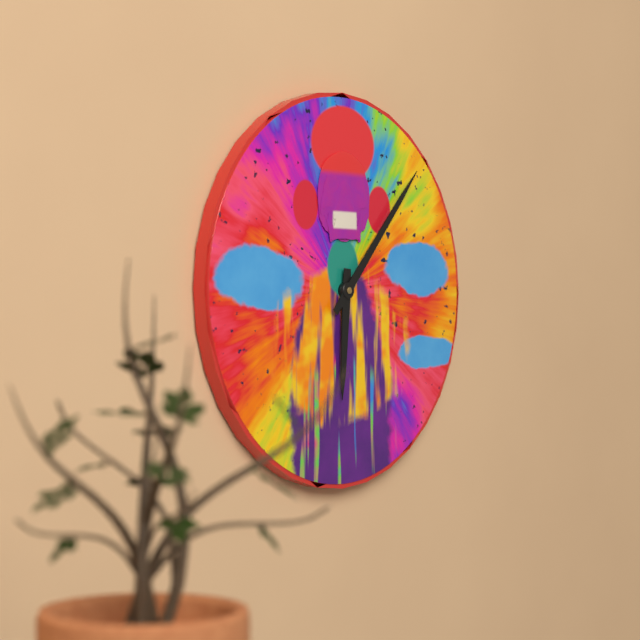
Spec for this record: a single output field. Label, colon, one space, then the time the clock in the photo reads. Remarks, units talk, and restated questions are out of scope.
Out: 6:07
